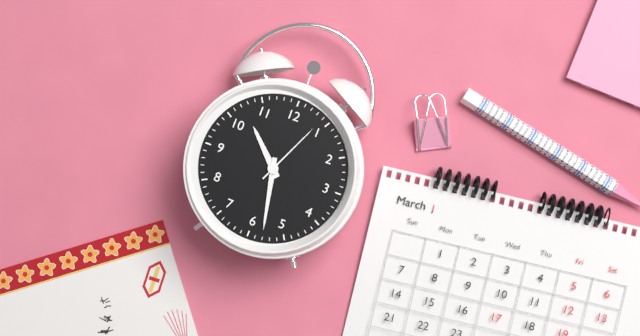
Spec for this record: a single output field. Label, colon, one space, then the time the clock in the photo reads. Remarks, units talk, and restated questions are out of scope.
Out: 10:28:04
